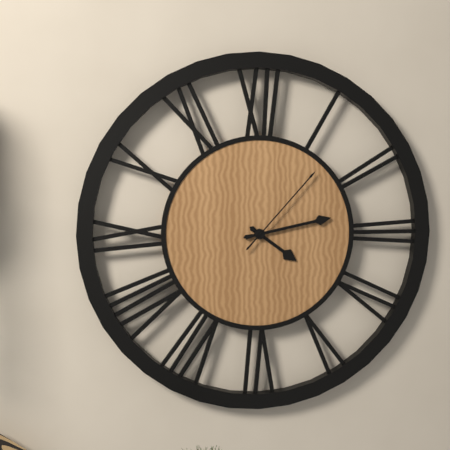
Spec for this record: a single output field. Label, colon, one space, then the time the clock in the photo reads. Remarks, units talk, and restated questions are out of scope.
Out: 4:13:07
